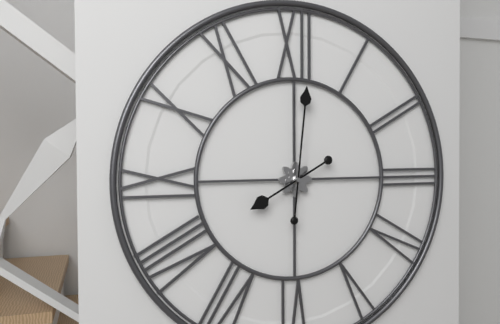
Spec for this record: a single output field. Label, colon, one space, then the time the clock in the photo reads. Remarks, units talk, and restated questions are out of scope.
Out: 8:01
